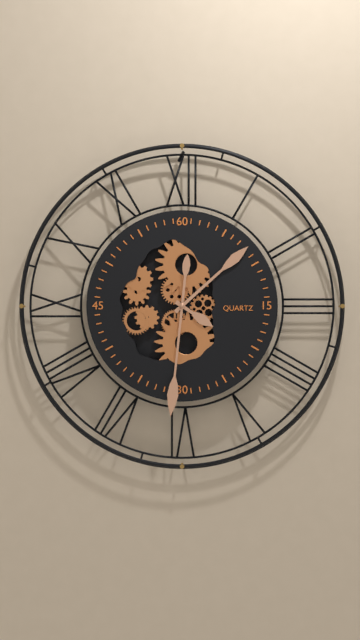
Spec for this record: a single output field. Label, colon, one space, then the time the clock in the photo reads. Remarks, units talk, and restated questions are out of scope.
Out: 4:08:31
